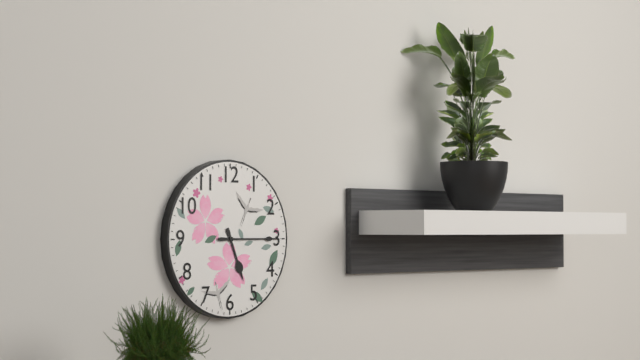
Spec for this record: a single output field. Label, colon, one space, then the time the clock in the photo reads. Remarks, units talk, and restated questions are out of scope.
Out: 5:15
